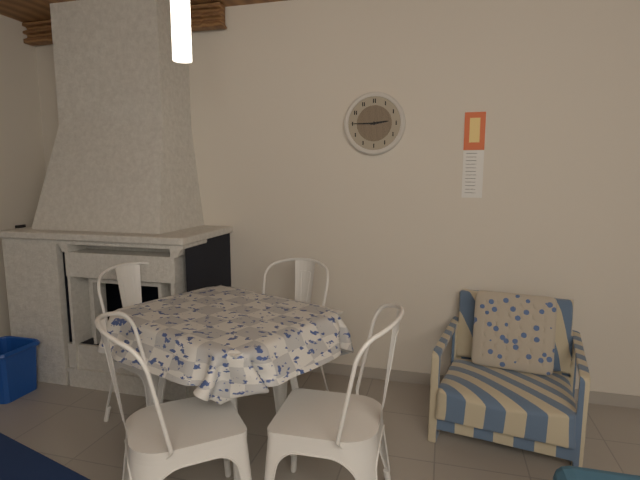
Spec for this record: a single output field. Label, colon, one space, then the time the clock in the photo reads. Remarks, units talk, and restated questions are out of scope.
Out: 2:45
